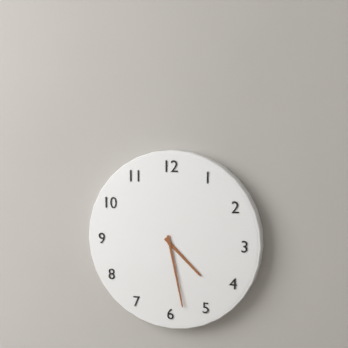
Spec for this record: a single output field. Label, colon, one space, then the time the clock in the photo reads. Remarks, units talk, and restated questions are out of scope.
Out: 4:28
